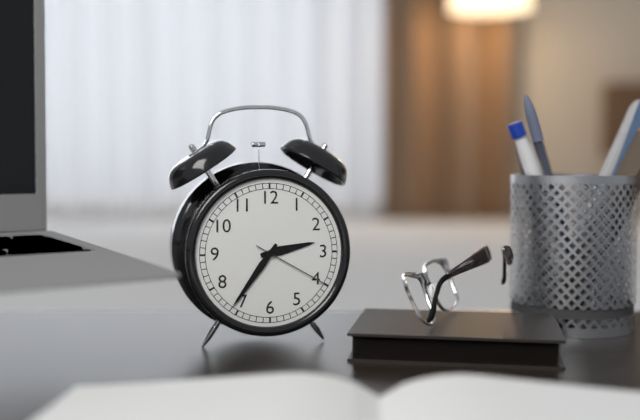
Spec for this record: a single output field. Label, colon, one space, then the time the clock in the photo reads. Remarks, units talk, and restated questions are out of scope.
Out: 2:36:20
